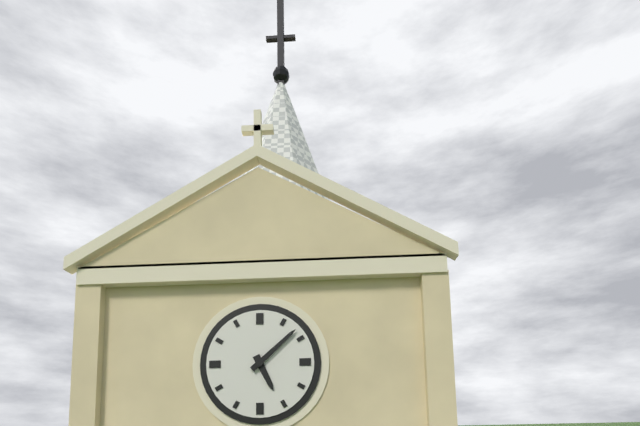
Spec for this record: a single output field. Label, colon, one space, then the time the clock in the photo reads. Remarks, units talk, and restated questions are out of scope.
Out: 5:08
